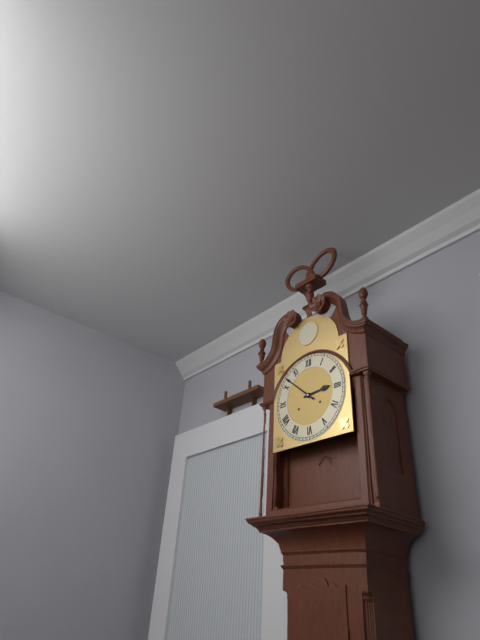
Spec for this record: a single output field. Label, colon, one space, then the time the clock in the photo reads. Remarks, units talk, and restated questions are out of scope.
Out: 2:52
